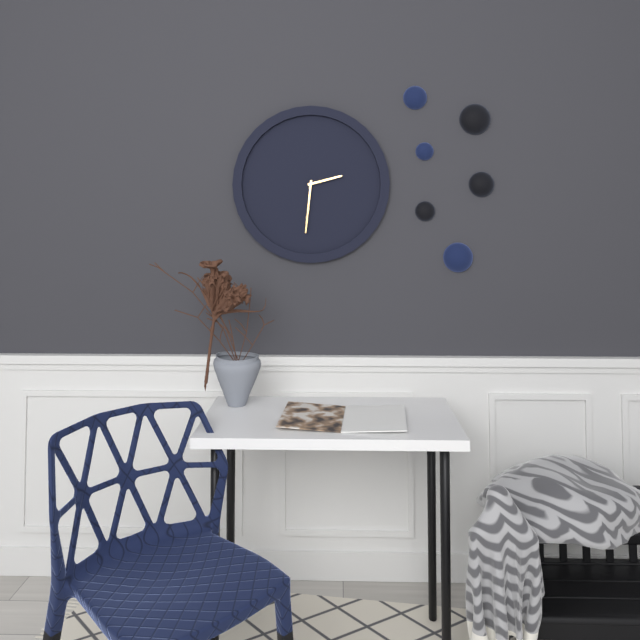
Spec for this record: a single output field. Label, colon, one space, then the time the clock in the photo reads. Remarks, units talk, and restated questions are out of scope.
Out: 2:31
